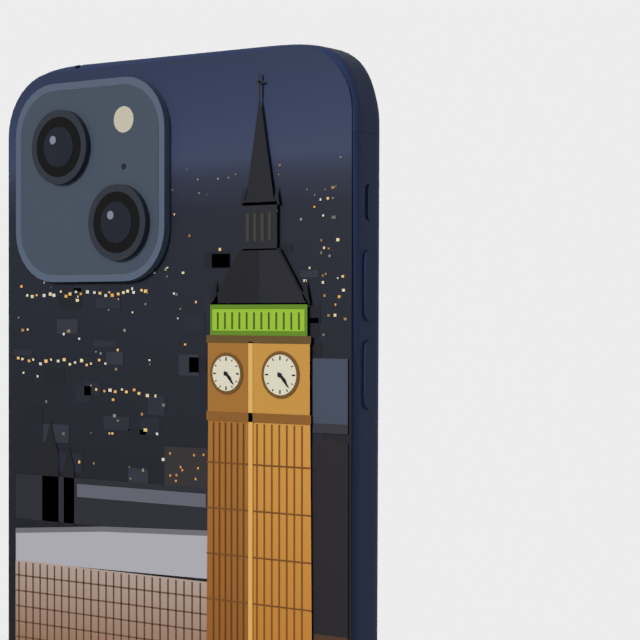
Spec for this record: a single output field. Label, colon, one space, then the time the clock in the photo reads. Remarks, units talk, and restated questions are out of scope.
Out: 4:23
